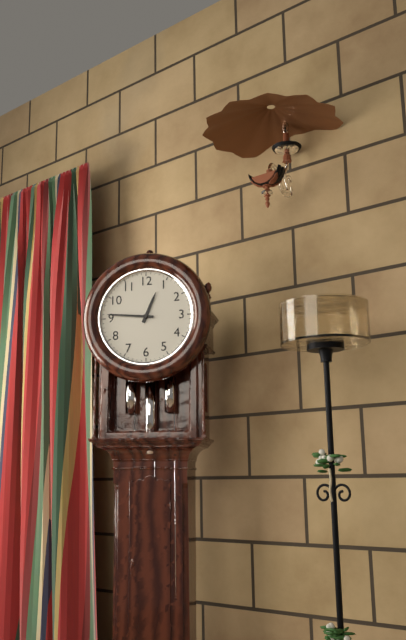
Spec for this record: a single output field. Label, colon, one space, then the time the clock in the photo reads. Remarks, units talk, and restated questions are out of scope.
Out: 12:46
